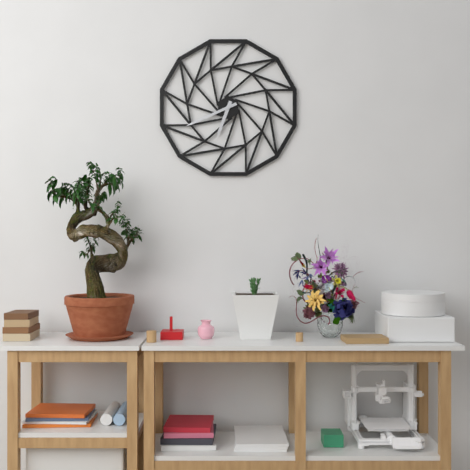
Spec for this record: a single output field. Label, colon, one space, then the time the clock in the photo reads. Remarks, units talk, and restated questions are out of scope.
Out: 6:41
